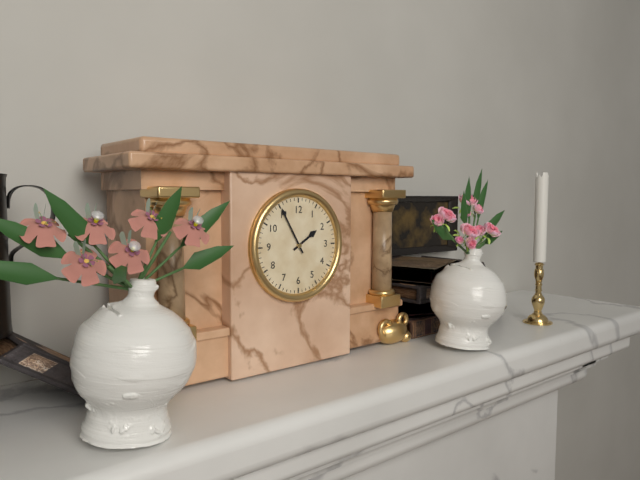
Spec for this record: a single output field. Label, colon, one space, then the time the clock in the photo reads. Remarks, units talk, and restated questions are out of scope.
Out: 1:55
